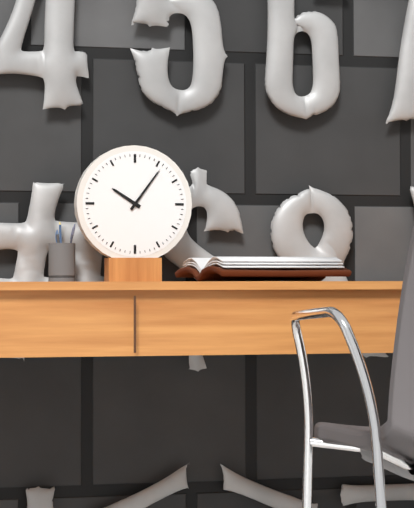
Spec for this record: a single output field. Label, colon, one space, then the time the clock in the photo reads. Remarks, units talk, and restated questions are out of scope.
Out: 10:06
